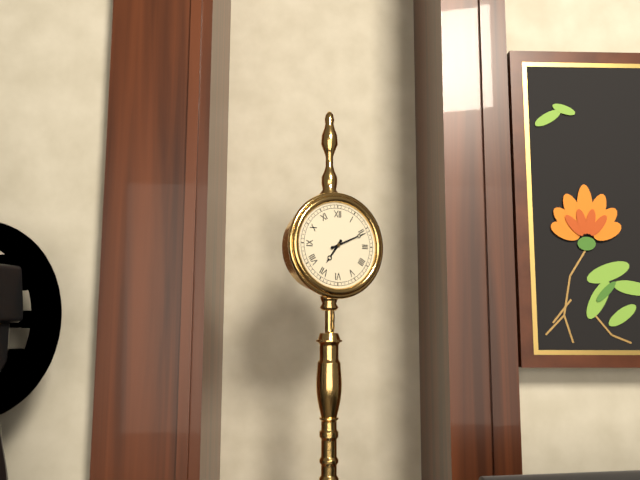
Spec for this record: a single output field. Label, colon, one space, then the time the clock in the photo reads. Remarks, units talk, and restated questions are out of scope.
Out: 7:11
